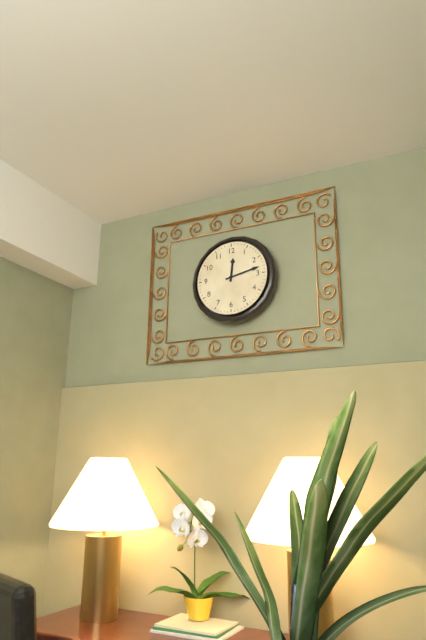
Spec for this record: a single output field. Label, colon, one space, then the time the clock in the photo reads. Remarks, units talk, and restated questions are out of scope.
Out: 12:13
